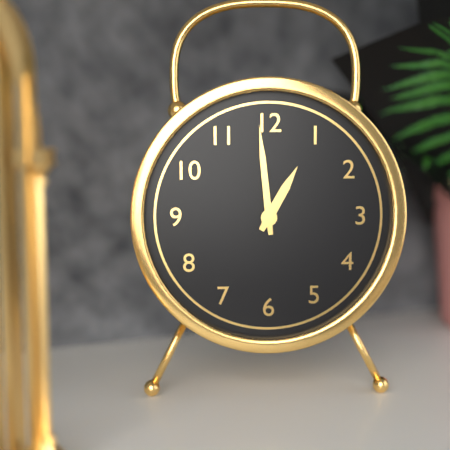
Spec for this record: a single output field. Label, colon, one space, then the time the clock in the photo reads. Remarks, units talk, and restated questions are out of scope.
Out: 12:59
